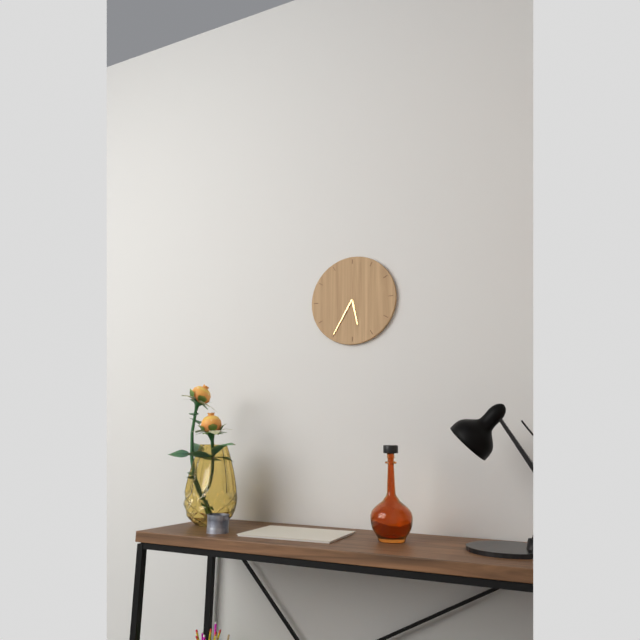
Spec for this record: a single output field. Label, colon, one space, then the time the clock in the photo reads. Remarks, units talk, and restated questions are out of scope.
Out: 5:35
